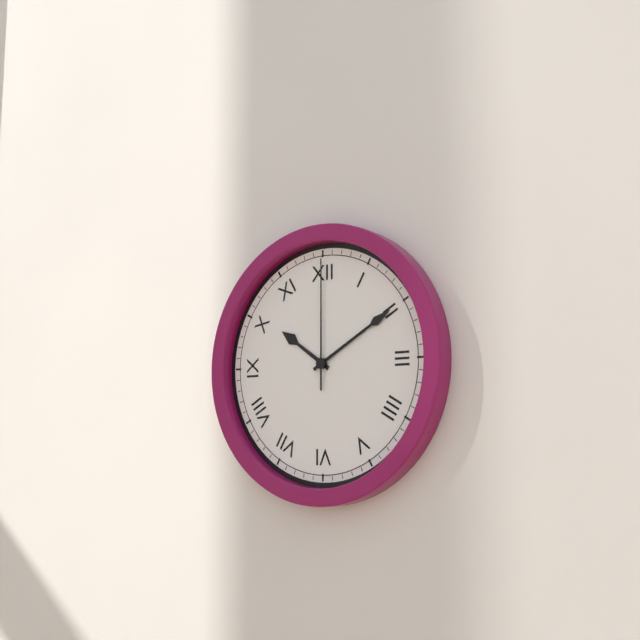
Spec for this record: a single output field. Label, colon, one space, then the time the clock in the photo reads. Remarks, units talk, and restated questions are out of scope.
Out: 10:10:00
